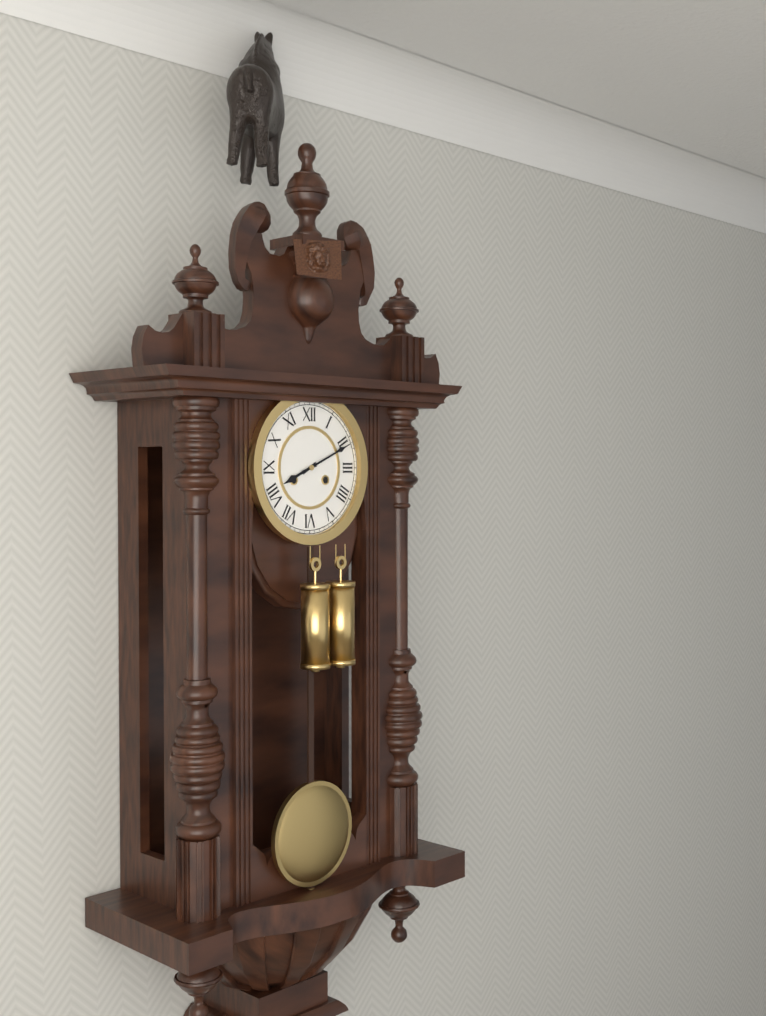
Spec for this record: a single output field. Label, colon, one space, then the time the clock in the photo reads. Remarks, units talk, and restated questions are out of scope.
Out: 8:11
